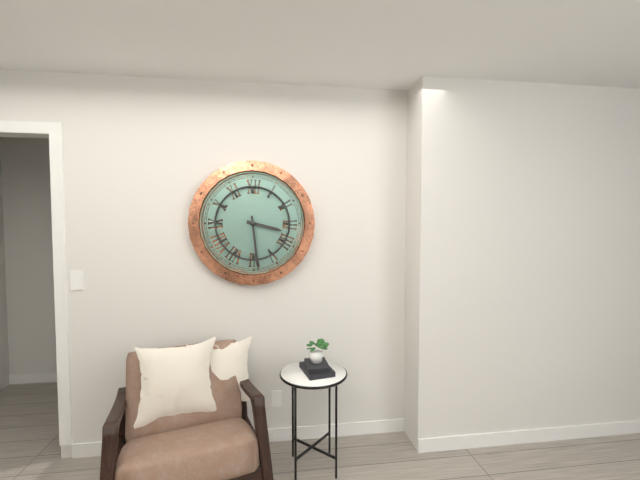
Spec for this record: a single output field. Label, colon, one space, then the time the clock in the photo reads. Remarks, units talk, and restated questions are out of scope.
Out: 3:29
